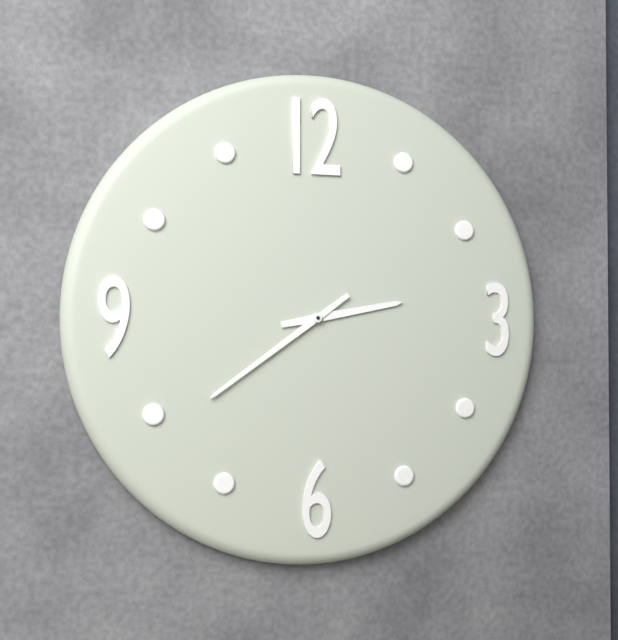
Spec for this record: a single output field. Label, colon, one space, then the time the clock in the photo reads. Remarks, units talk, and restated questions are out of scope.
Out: 2:39
